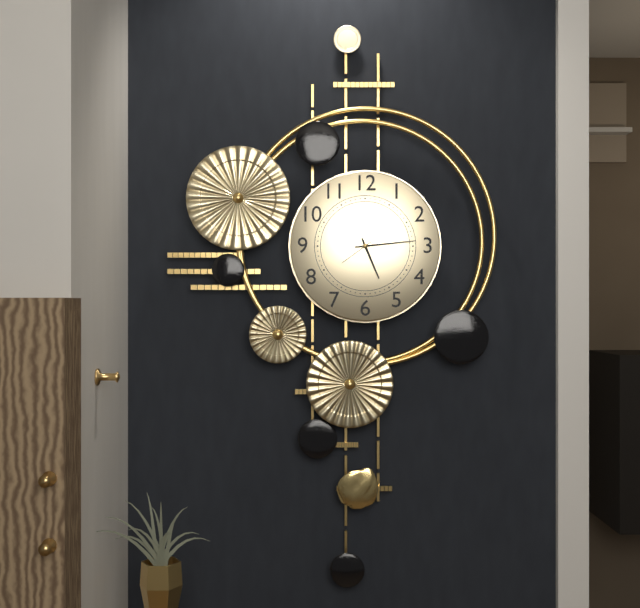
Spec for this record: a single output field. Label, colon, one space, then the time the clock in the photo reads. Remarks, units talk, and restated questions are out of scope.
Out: 5:14
